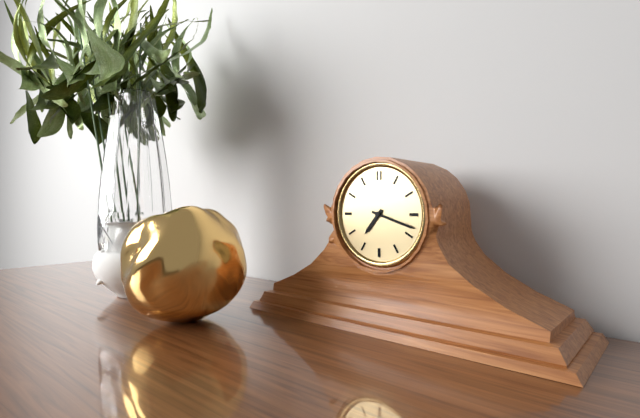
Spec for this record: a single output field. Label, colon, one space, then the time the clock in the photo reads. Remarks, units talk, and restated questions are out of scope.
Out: 7:18
